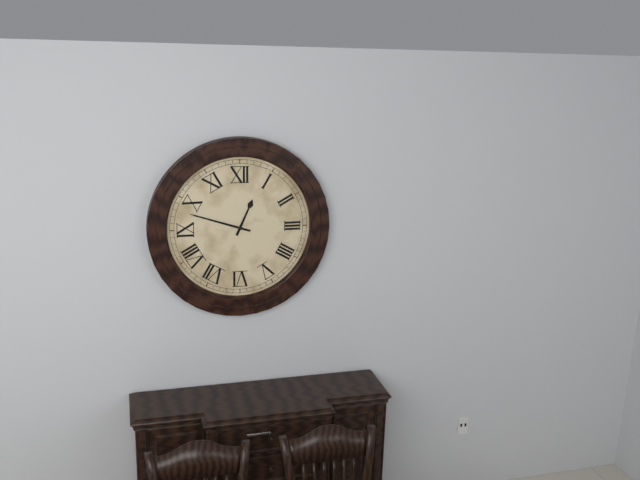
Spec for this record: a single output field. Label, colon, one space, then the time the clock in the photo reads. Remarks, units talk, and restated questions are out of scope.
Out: 12:48
